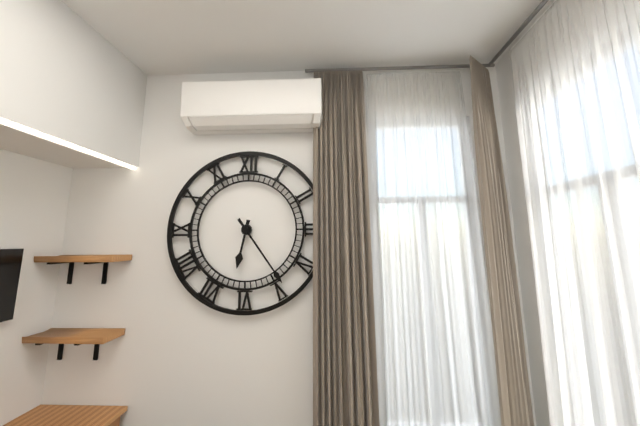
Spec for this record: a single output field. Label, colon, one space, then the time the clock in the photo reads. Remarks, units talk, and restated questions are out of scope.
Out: 6:24
